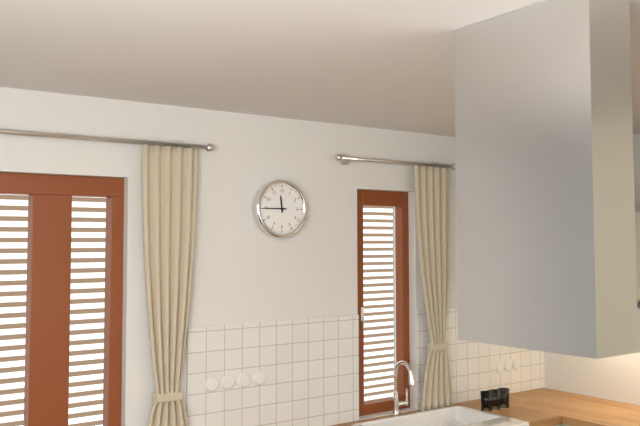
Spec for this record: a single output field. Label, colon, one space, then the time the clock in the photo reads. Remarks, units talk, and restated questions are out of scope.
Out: 11:45
